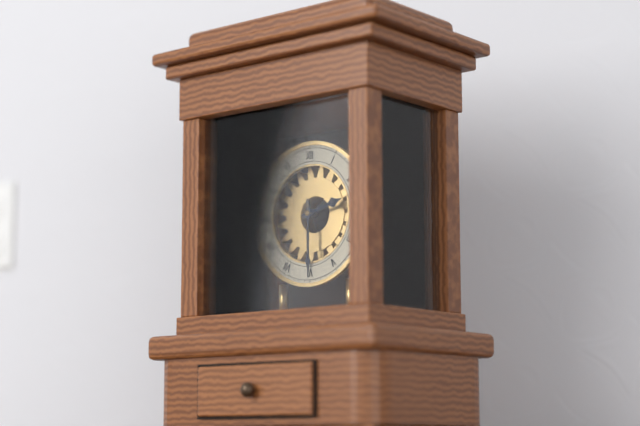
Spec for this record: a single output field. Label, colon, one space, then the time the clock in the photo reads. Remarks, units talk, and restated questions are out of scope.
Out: 2:30
